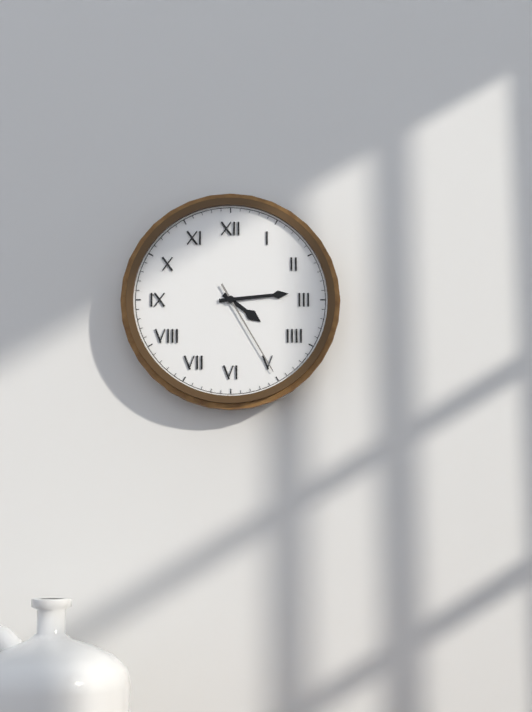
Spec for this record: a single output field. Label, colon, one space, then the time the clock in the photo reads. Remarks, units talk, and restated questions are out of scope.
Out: 4:14:25
